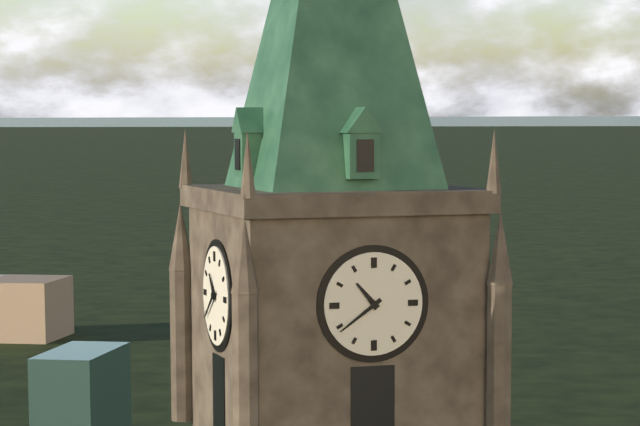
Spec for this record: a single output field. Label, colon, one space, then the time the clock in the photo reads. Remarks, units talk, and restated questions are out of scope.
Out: 10:39
